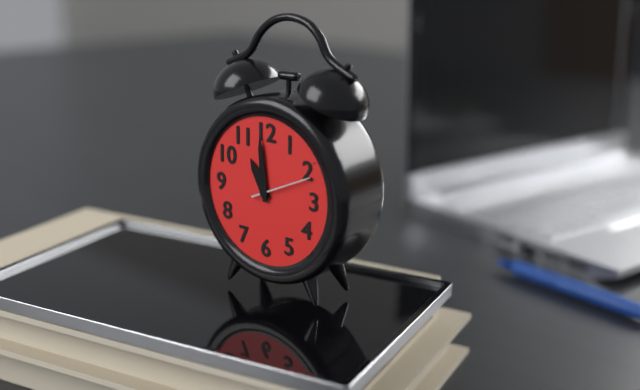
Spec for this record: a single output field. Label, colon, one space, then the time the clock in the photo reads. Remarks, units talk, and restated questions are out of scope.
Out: 10:59:11
